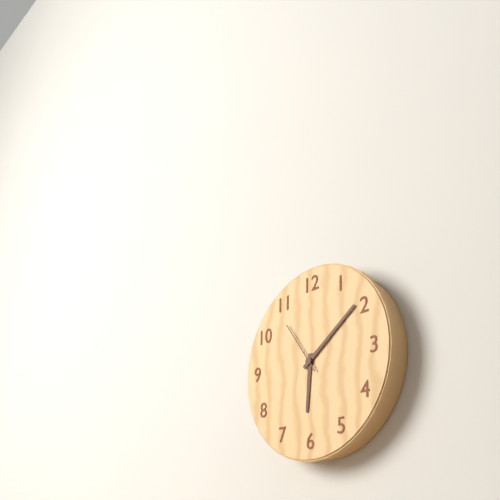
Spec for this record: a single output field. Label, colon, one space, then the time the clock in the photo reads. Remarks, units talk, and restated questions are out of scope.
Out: 6:09:54
